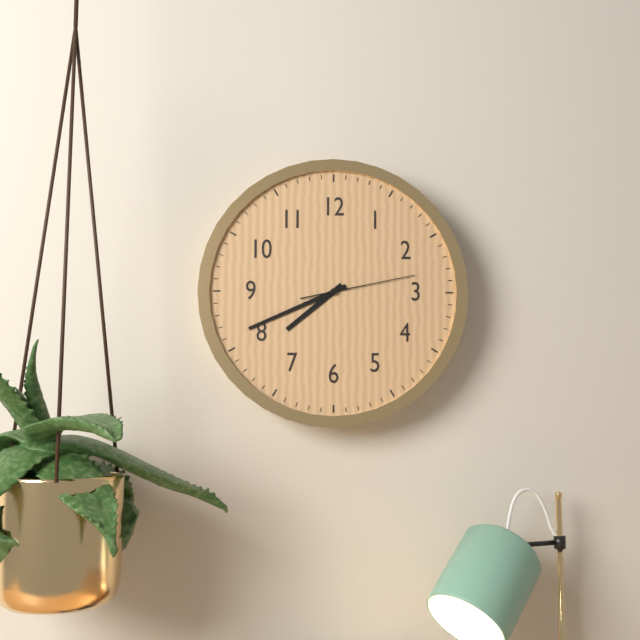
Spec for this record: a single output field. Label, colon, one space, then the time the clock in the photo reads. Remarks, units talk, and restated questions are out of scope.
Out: 7:41:13
